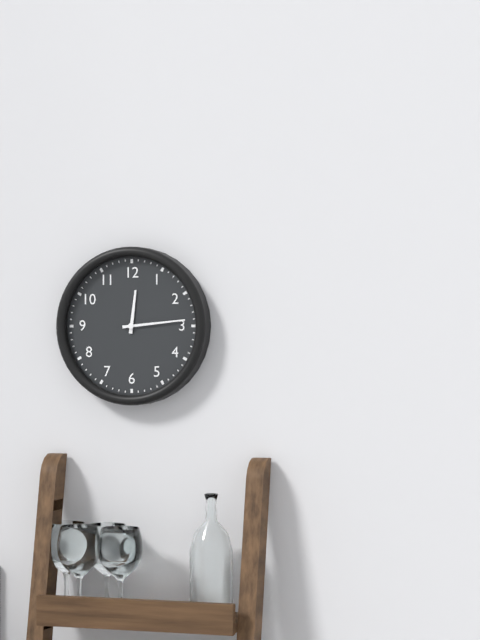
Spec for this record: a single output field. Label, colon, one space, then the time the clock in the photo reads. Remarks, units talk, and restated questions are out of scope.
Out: 12:14
